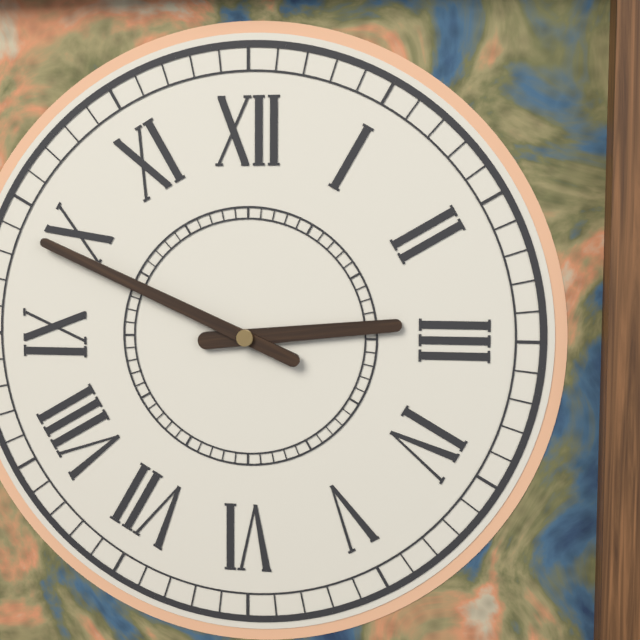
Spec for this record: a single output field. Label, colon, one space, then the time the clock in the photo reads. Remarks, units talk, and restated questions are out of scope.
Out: 2:49
